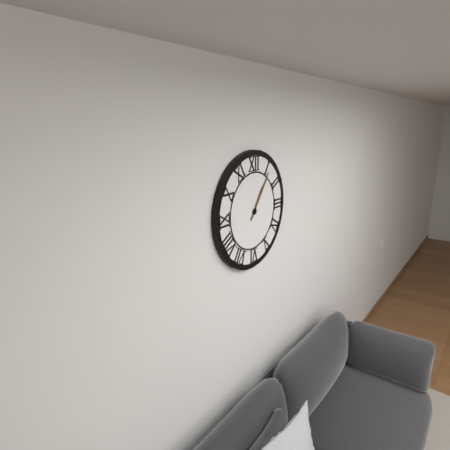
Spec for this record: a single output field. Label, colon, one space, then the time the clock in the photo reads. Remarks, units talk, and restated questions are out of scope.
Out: 1:06
